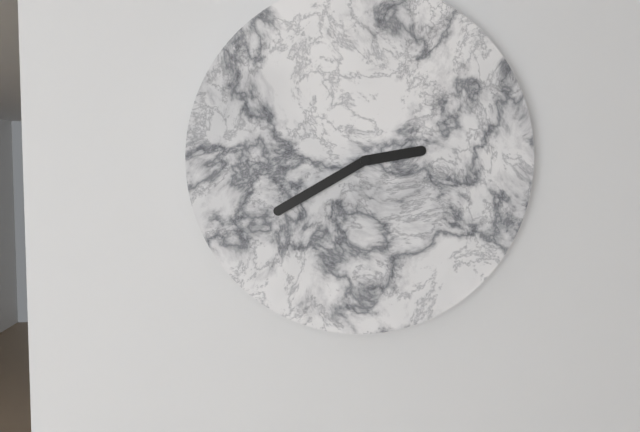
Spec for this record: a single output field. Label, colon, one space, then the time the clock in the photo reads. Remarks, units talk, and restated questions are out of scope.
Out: 2:40
